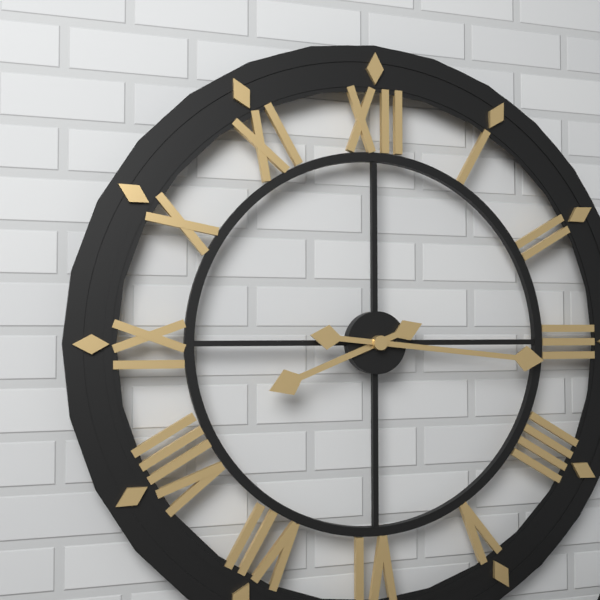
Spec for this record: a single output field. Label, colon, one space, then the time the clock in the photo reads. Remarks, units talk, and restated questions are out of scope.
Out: 8:16
